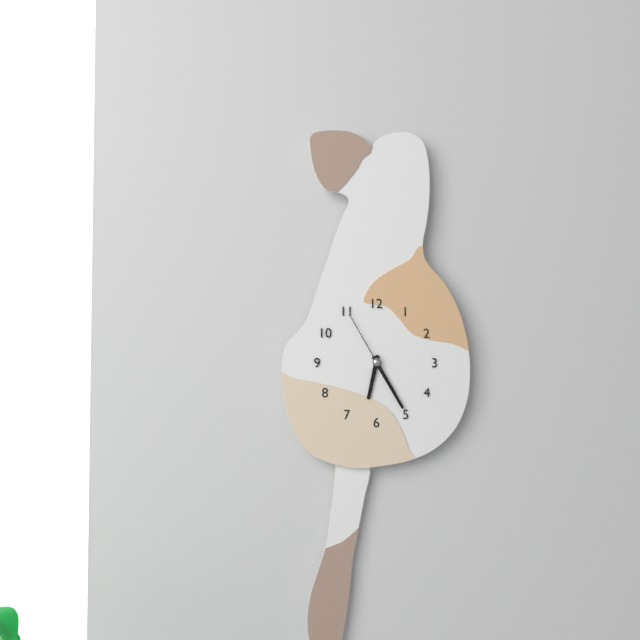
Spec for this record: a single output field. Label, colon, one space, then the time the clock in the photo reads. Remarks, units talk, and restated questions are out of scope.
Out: 6:25:55
